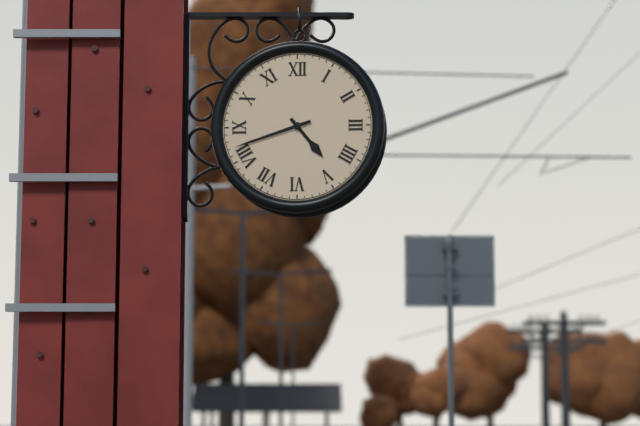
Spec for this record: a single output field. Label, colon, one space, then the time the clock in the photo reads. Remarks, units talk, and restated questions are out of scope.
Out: 4:42
